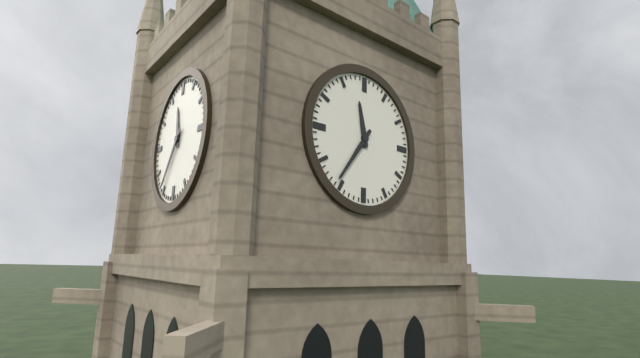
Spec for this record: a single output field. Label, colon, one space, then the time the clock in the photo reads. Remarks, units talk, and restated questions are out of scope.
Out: 11:36
